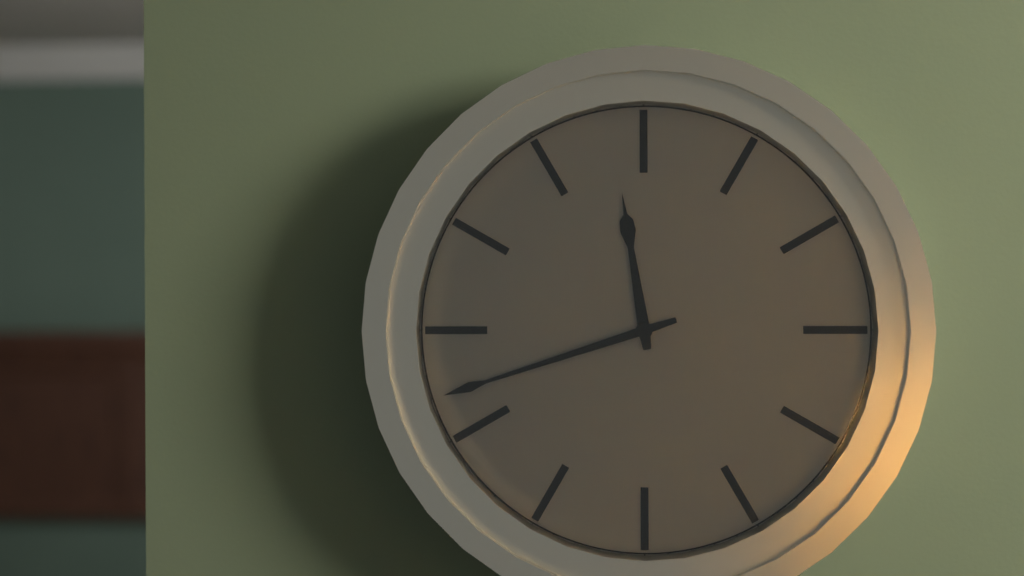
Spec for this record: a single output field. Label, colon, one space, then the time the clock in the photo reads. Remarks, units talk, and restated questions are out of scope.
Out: 11:42
